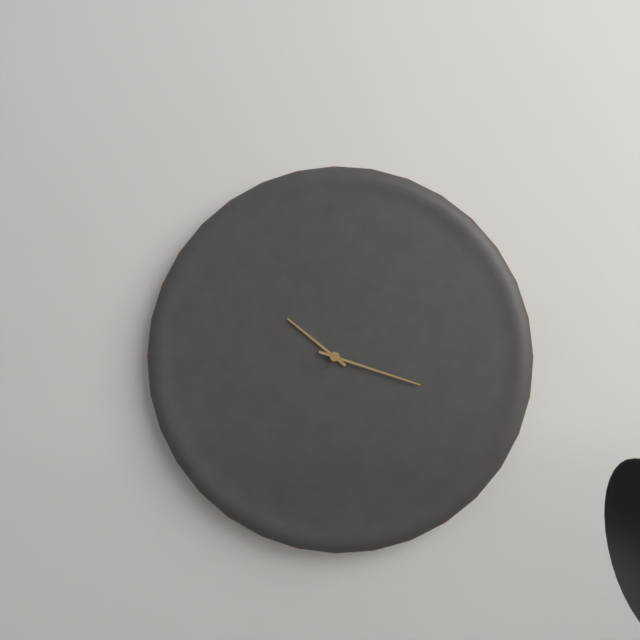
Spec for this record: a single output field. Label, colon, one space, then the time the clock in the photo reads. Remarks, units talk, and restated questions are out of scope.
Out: 10:18
